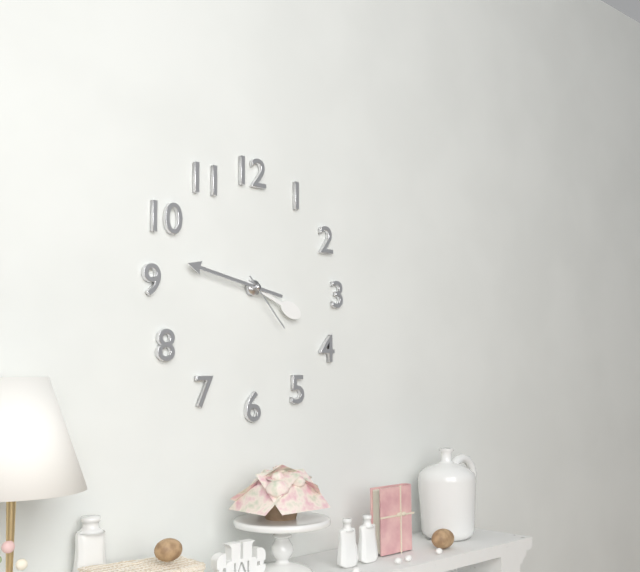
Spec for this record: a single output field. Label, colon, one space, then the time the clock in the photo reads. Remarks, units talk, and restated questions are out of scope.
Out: 3:47:23
